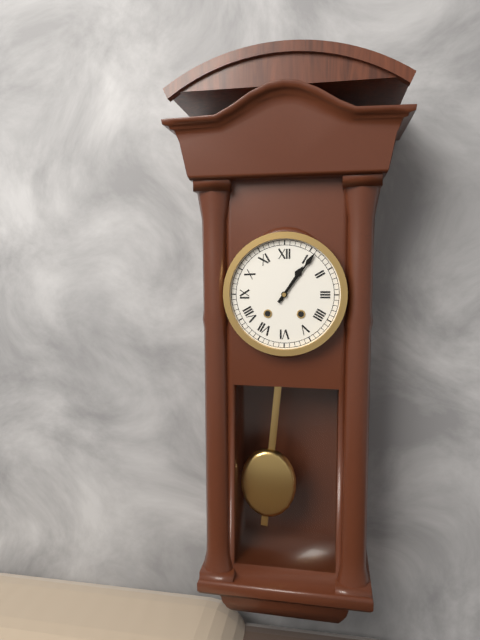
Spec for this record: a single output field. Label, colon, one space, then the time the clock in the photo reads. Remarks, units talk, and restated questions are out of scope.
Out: 1:06
